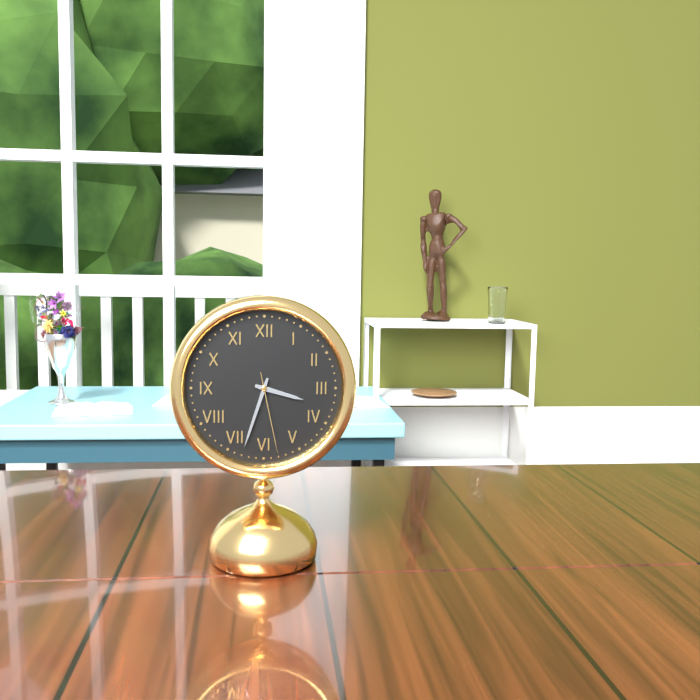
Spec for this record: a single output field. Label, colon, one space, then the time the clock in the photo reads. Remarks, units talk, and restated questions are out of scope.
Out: 3:33:28
